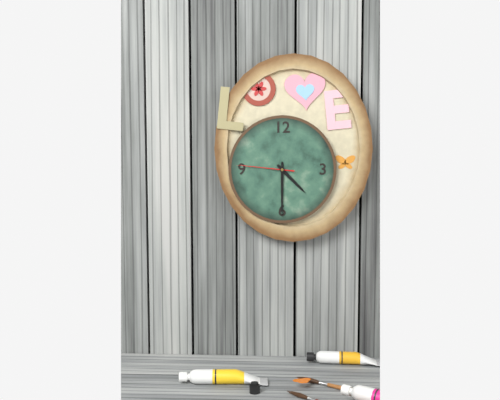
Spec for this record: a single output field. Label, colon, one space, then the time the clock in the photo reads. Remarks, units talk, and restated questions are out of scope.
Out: 4:30:46
